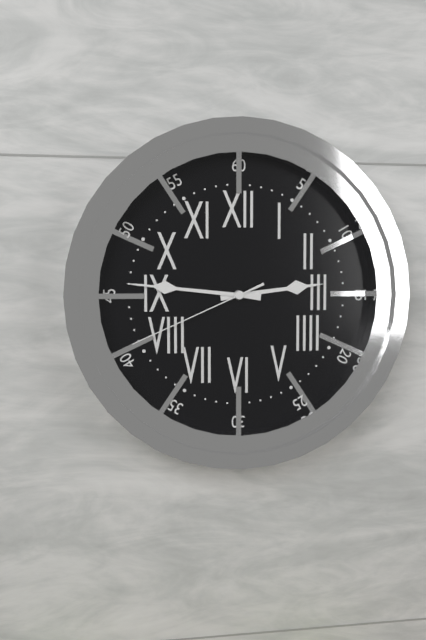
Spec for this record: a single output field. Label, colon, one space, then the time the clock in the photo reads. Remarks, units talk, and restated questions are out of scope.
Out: 2:46:41
